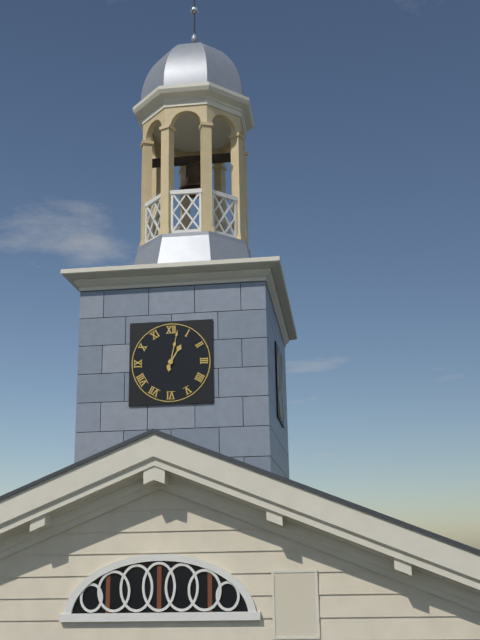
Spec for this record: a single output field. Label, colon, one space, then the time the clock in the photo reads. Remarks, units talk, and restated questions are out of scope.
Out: 1:02
